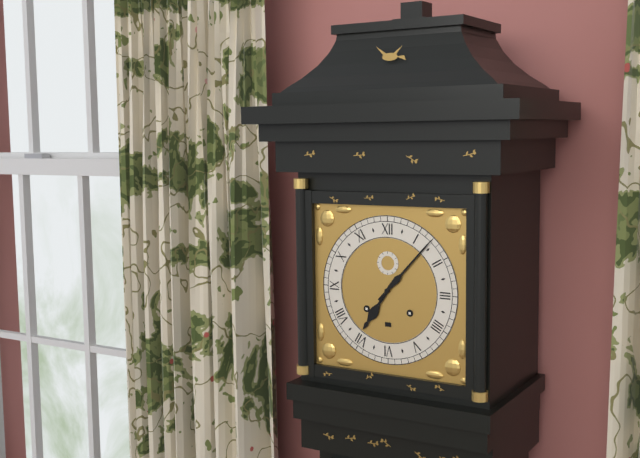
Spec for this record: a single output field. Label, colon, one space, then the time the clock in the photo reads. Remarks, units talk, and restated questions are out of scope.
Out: 7:07
